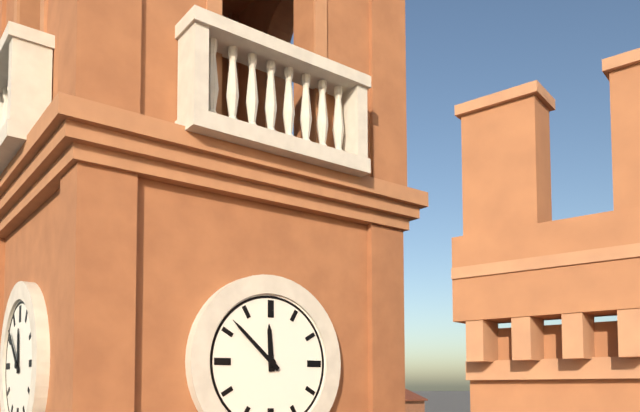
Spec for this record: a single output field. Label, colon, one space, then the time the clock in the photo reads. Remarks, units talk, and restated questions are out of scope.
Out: 11:52
